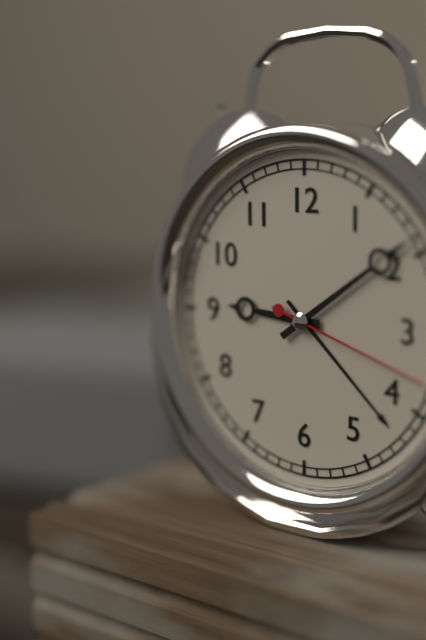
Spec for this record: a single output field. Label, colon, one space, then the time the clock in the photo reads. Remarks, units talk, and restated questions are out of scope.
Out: 9:09:18
